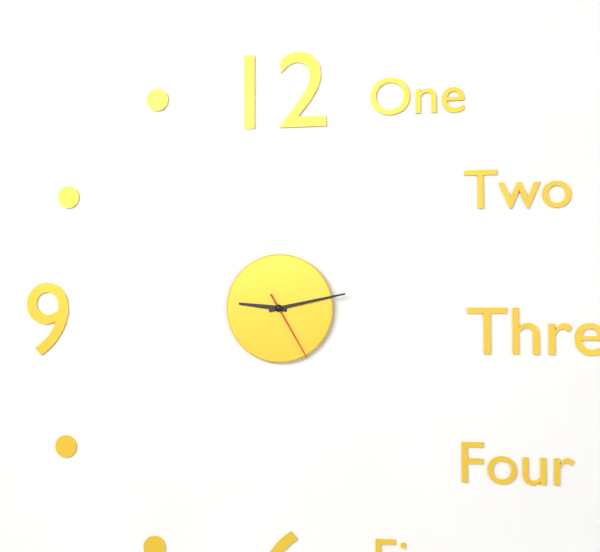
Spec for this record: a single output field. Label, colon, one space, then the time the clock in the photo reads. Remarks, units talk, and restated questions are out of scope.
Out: 9:13:25
